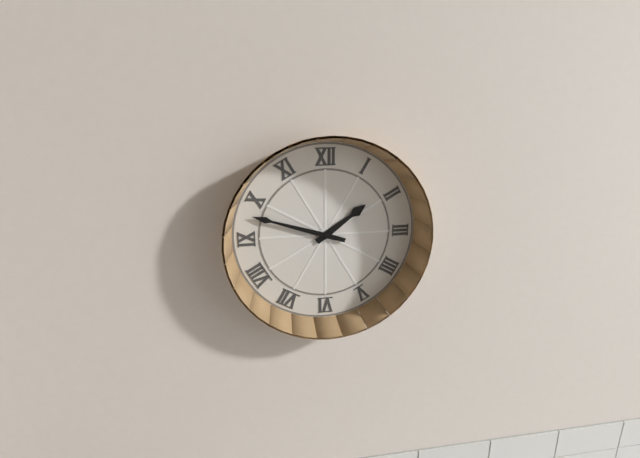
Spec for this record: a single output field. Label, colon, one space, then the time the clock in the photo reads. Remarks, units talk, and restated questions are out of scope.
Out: 1:48
